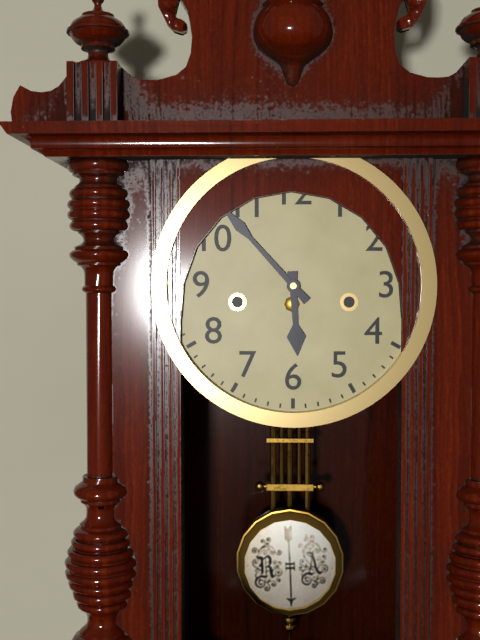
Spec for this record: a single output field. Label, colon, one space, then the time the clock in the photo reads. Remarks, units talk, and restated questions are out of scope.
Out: 5:53
